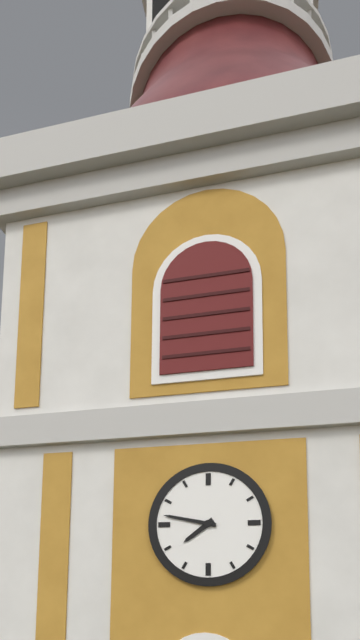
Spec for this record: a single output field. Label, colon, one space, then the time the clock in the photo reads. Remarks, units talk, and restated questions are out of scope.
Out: 7:47
